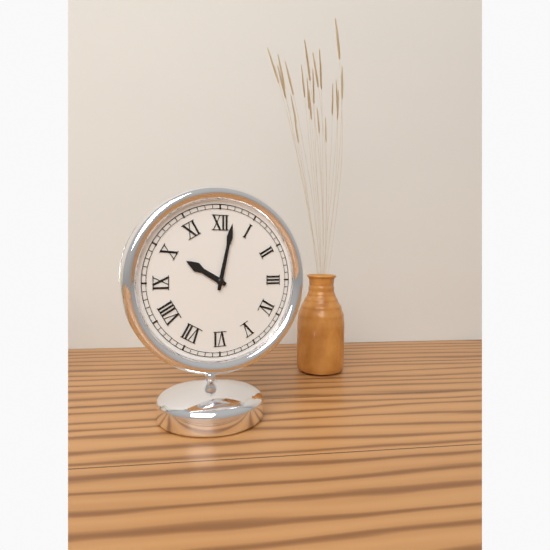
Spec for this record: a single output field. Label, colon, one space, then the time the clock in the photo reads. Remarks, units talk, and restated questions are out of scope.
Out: 10:02
